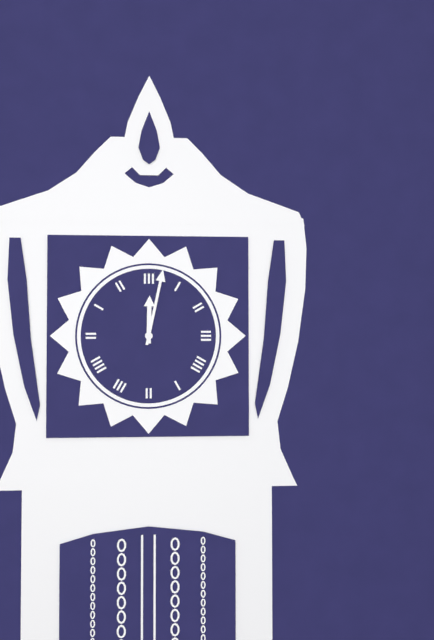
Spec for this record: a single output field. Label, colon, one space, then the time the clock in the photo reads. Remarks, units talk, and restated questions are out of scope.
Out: 12:02
